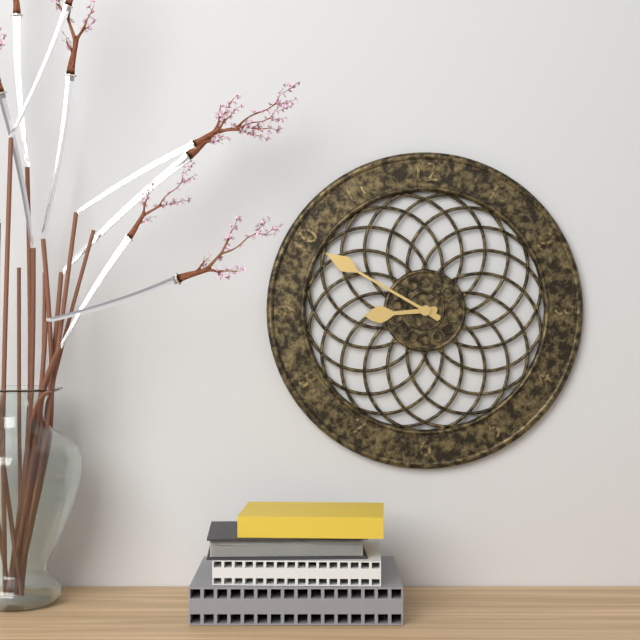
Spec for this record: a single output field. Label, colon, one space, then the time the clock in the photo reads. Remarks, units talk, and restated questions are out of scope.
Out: 8:50
